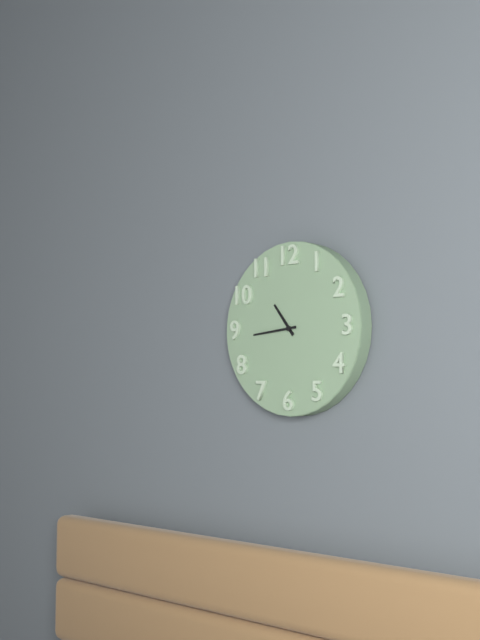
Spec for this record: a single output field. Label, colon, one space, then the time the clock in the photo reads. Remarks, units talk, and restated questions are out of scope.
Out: 10:44
